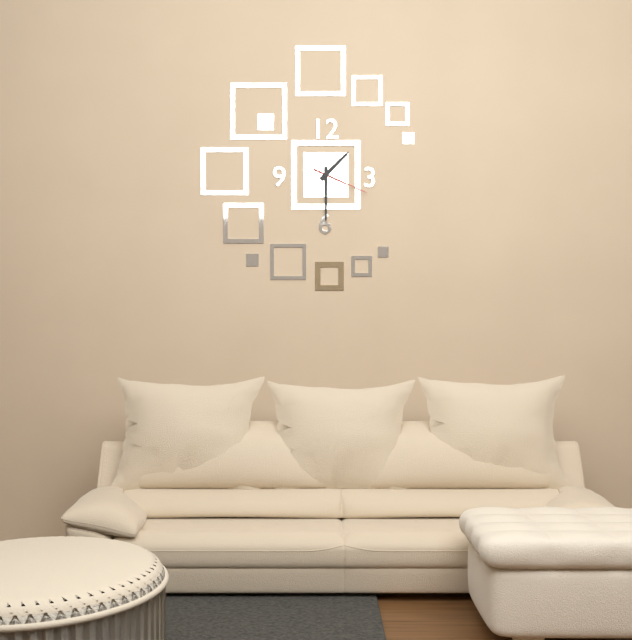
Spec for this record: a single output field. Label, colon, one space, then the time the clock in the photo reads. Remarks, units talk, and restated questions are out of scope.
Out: 1:30:19
